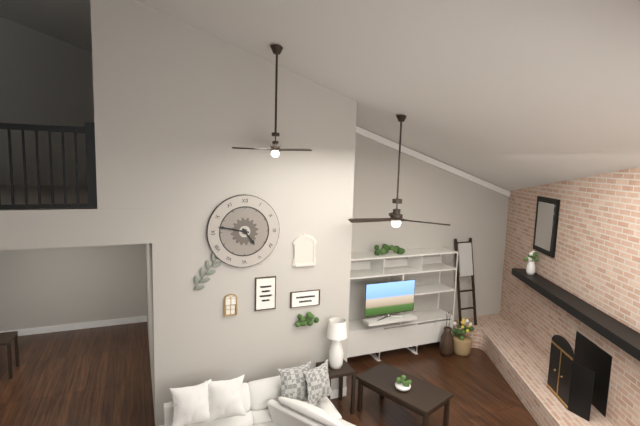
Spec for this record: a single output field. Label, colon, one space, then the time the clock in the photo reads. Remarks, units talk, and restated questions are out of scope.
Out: 4:47
